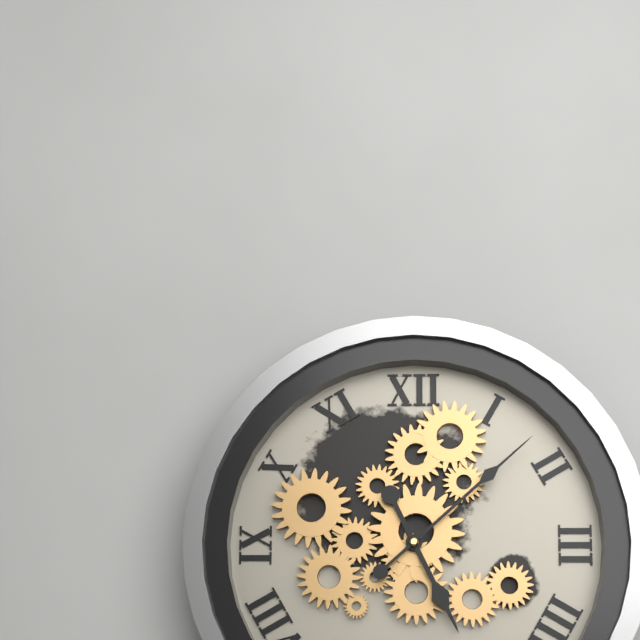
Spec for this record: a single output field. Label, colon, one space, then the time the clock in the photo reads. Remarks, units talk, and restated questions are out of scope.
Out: 5:08
